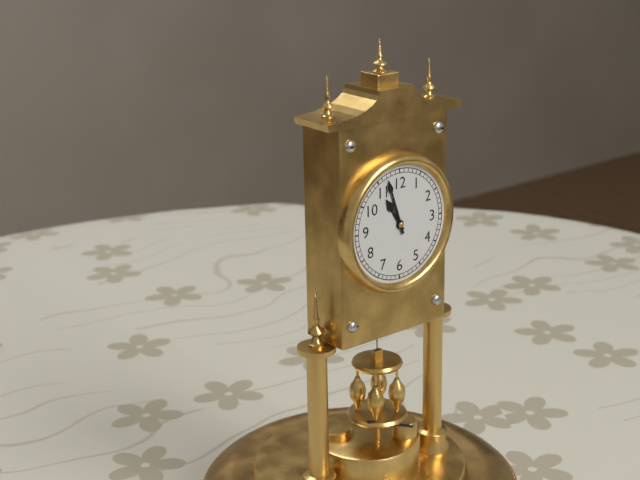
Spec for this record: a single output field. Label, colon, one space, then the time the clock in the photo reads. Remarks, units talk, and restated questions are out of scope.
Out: 10:57
